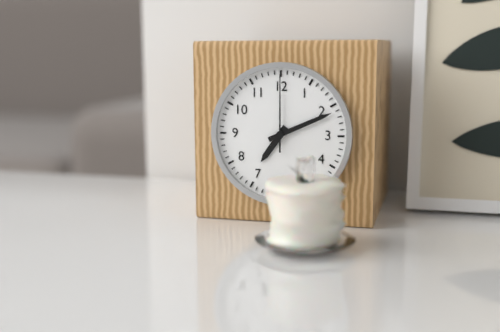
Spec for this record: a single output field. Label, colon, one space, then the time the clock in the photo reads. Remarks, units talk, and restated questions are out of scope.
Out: 7:11:00
